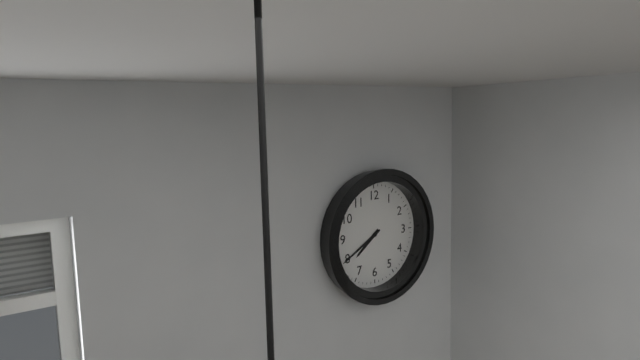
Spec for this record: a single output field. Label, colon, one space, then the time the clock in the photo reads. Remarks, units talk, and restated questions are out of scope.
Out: 7:40
